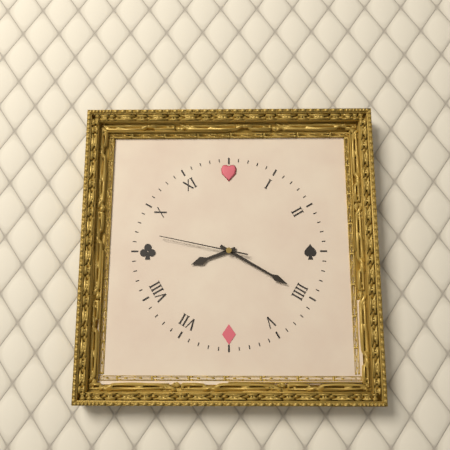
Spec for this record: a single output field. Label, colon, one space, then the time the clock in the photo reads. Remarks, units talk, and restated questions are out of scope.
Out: 8:20:47
